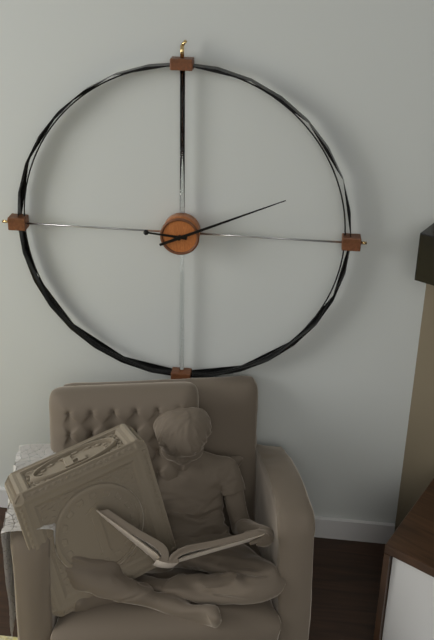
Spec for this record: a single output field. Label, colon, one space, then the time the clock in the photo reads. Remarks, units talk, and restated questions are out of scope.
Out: 9:11
